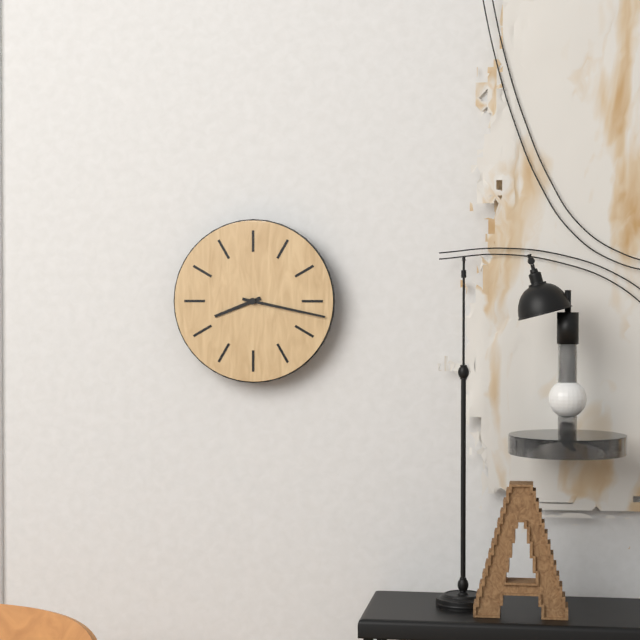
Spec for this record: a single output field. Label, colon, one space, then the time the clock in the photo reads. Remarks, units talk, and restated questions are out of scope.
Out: 8:17
